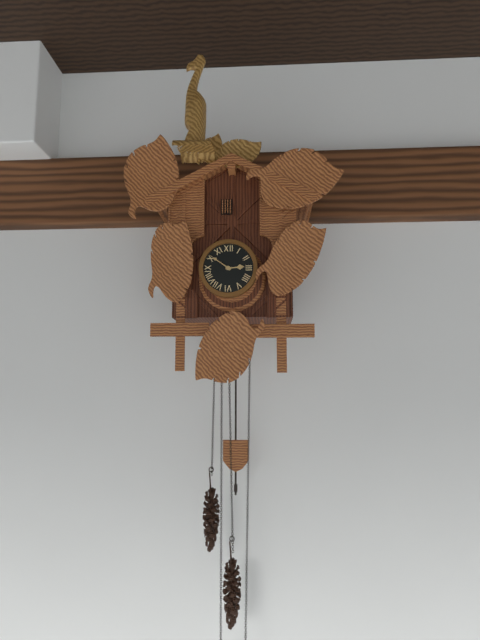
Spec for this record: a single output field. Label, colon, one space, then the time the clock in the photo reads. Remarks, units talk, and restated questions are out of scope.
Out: 2:51
